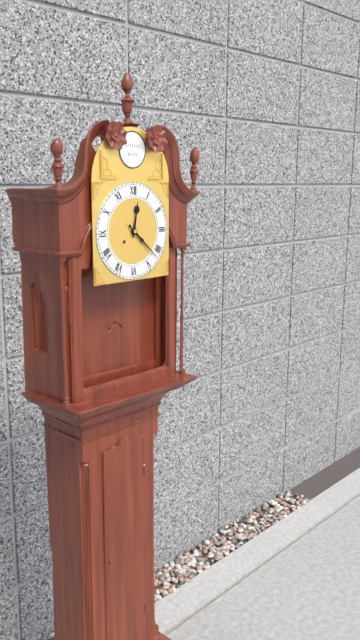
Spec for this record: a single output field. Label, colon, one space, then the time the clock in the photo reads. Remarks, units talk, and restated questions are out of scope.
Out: 12:22
